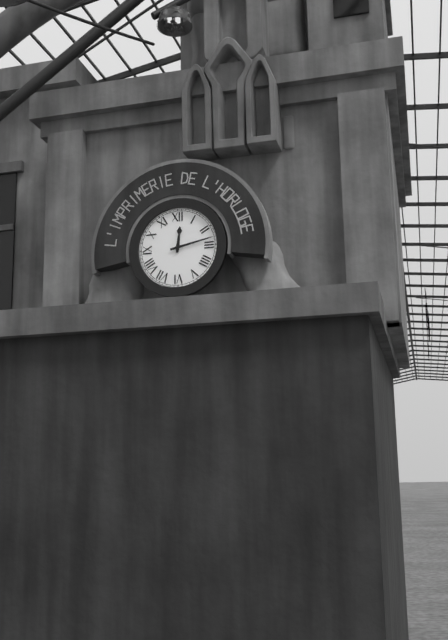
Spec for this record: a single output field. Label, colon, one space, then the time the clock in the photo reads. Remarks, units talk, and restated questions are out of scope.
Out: 12:13
